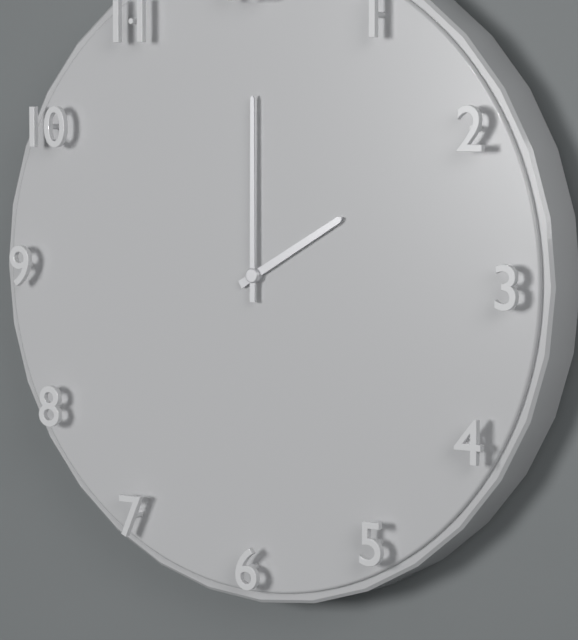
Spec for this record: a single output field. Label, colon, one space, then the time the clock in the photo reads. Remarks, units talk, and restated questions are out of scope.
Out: 2:00
